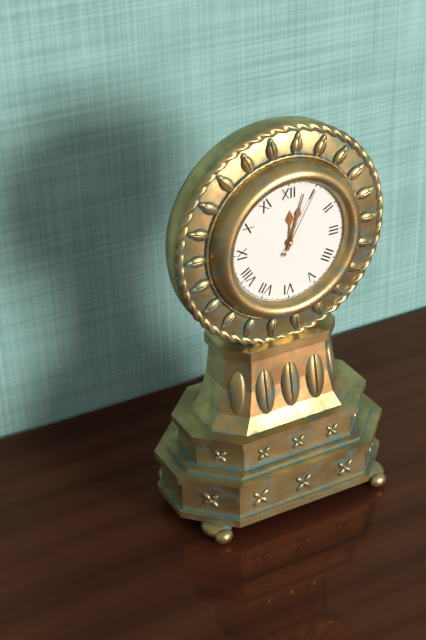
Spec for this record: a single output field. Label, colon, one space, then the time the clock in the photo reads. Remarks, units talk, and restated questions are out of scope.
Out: 12:03:05
